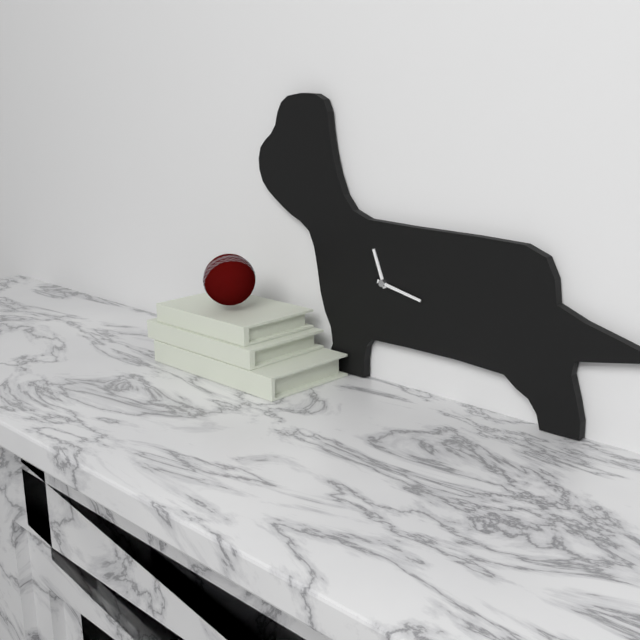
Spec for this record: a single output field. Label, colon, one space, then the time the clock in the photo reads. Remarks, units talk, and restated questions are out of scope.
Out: 11:17
